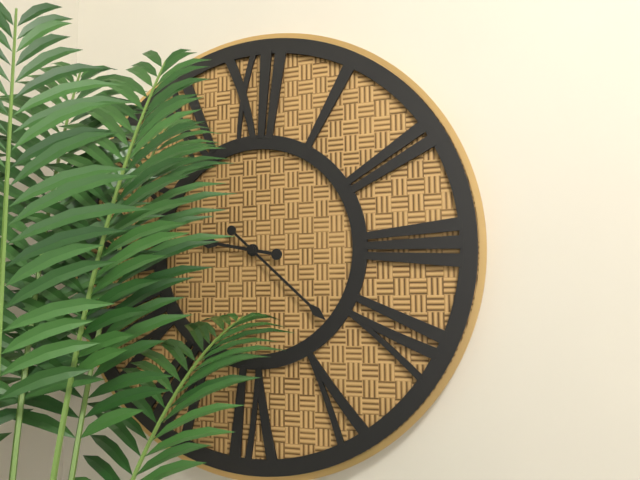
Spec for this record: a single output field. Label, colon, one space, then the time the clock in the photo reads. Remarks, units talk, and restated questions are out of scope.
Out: 9:22
